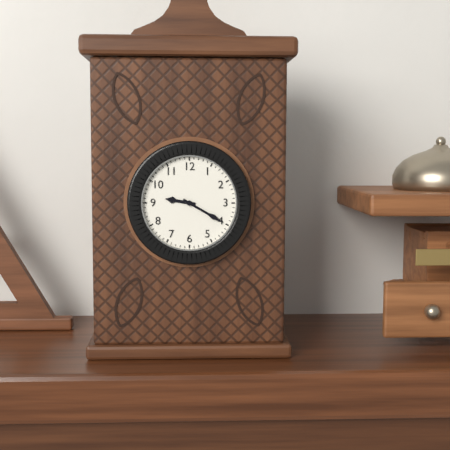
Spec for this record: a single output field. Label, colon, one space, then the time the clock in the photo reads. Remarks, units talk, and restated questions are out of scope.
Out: 9:20
